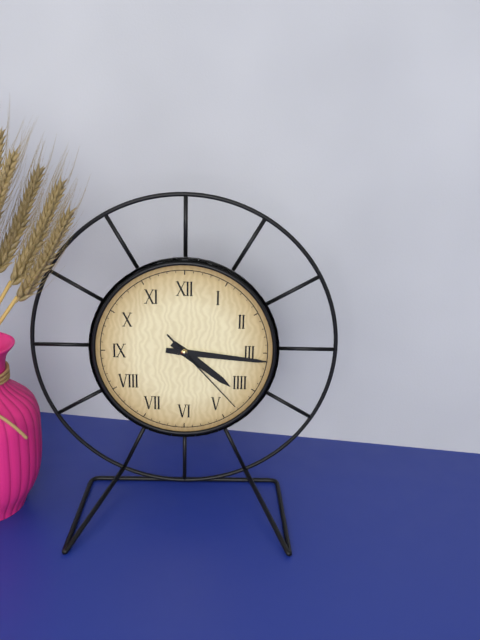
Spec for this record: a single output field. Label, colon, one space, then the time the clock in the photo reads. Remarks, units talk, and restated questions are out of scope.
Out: 4:16:23
